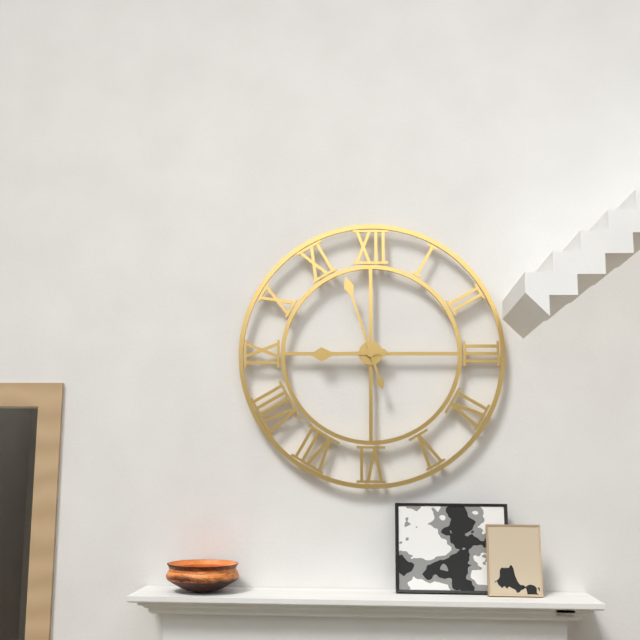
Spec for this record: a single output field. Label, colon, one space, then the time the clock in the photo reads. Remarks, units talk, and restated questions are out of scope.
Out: 8:57
